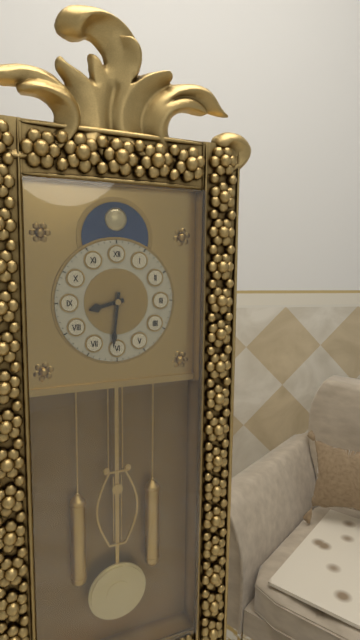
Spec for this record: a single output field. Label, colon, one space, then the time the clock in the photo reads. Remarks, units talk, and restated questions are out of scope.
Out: 8:31
